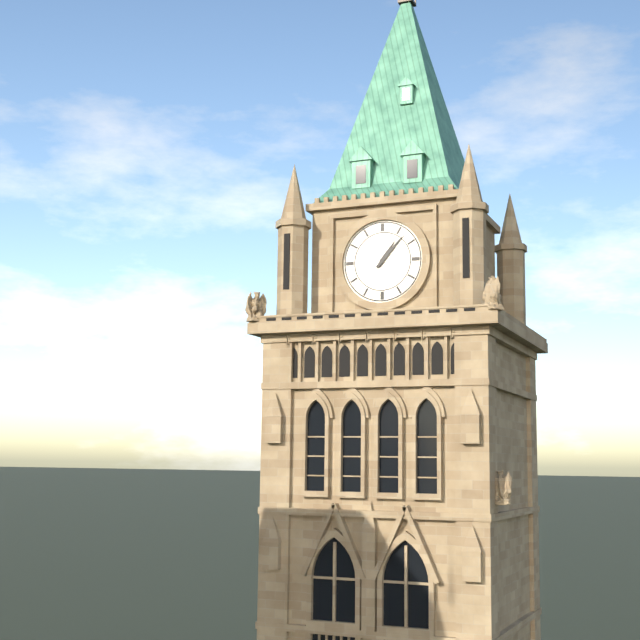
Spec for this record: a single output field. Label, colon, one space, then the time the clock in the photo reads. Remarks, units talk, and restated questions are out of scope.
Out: 1:07
